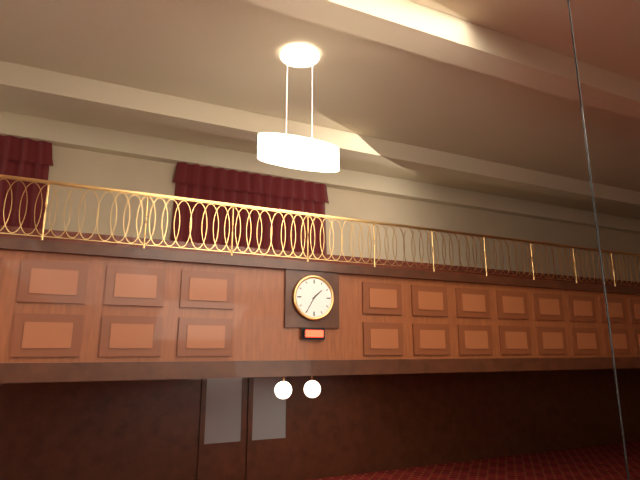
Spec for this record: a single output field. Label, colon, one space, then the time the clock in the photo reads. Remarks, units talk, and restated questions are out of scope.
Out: 1:35
